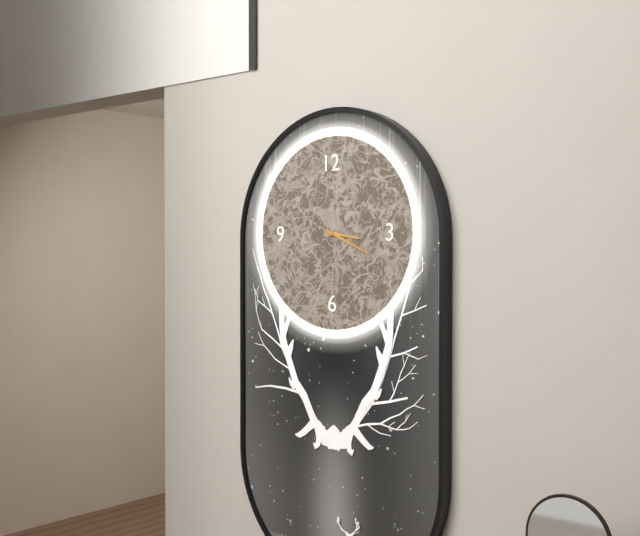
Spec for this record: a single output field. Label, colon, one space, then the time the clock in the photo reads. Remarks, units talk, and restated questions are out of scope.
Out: 3:19
